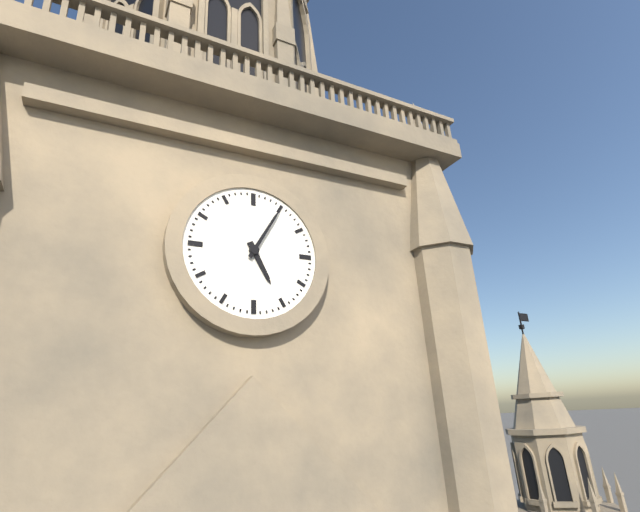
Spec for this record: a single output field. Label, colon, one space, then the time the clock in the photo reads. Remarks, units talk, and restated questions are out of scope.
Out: 5:05
